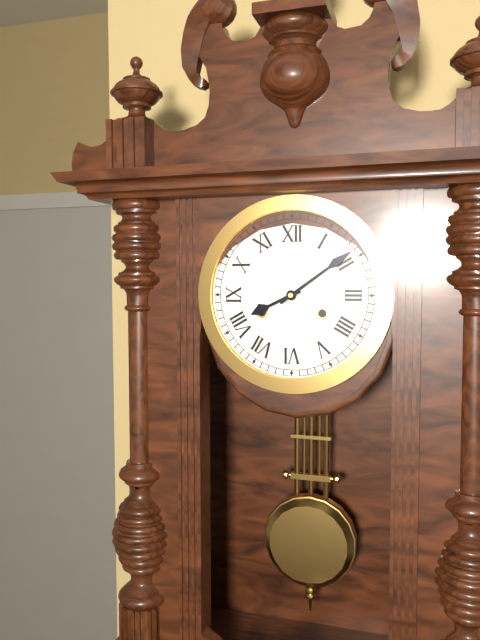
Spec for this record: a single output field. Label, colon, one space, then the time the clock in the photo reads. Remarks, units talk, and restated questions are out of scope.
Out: 8:09
